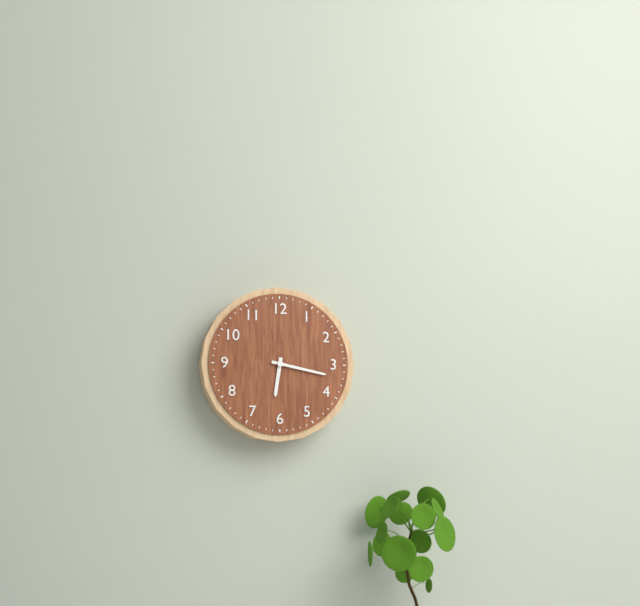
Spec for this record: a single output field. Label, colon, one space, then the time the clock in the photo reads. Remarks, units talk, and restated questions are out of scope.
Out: 6:17
